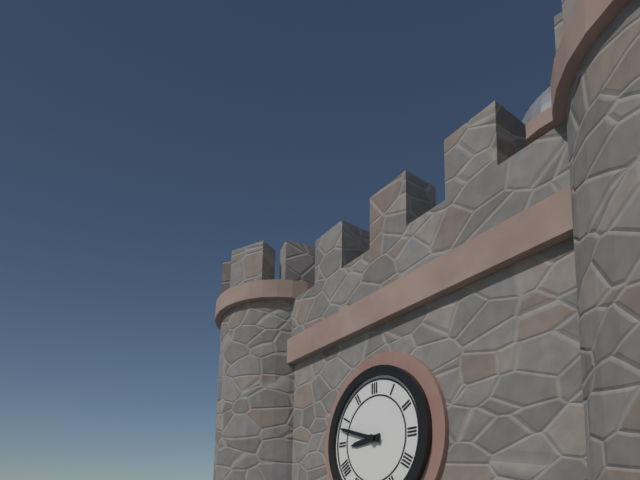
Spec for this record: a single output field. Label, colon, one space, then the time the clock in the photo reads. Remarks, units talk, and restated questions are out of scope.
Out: 8:48
